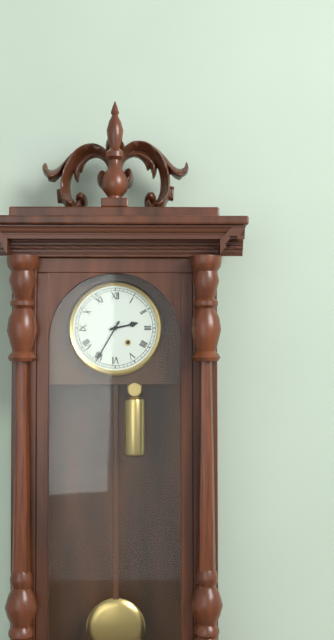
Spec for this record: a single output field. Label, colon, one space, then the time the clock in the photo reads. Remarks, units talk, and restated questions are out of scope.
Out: 2:35
